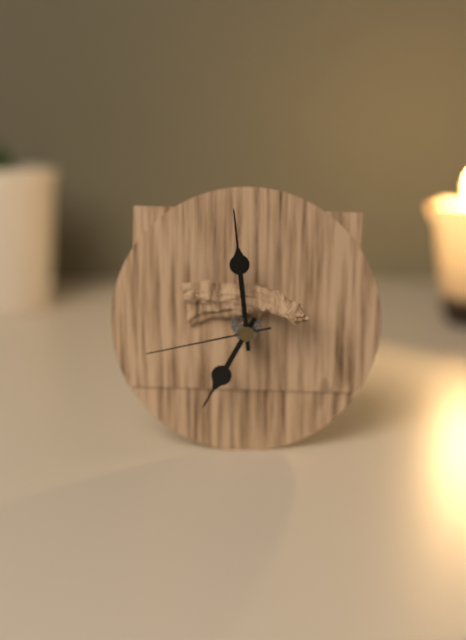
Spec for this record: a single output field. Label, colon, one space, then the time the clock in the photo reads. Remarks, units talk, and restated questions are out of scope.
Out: 6:59:43
